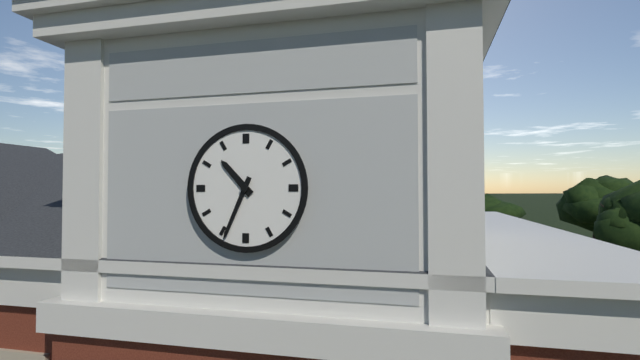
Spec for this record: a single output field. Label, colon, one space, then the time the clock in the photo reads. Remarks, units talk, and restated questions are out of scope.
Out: 10:34
